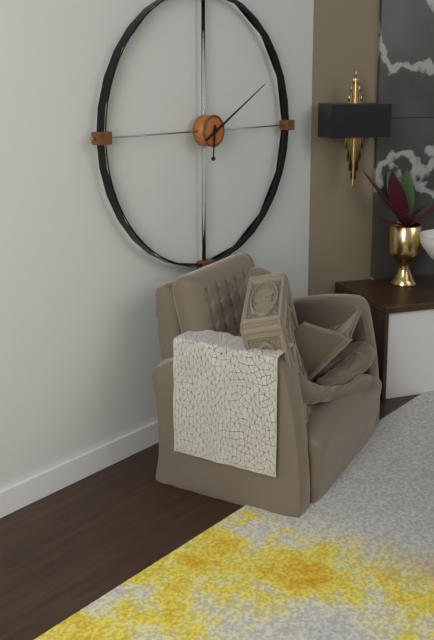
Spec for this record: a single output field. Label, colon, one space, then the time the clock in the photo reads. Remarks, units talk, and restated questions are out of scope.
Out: 6:10
